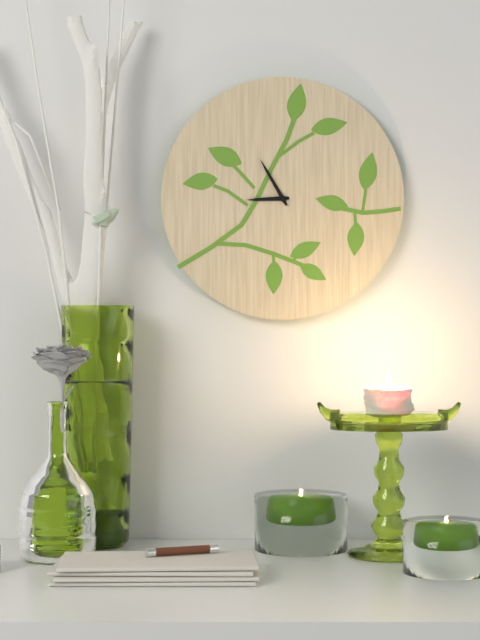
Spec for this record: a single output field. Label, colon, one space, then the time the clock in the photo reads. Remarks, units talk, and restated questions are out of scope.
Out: 8:55
